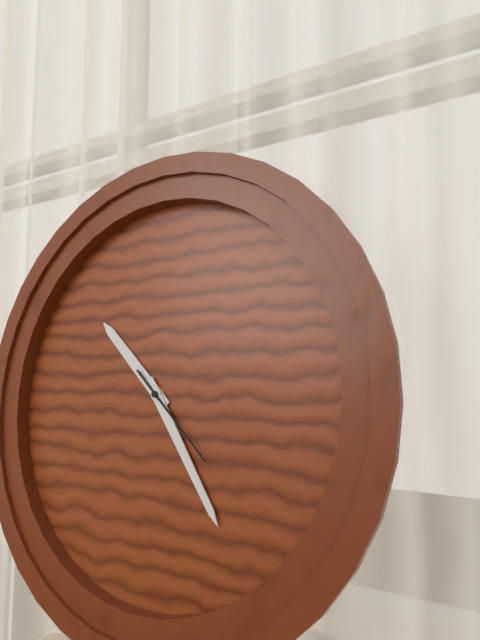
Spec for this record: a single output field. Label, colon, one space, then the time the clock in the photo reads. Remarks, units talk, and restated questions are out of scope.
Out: 10:24:22
